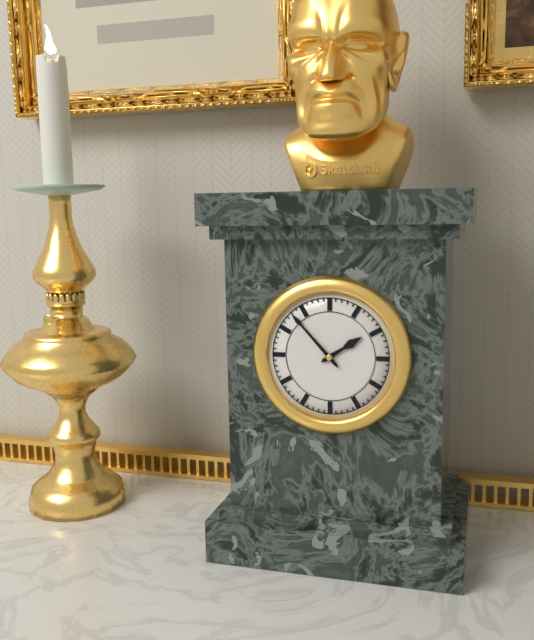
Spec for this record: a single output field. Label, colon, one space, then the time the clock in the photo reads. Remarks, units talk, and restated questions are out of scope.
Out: 1:53
